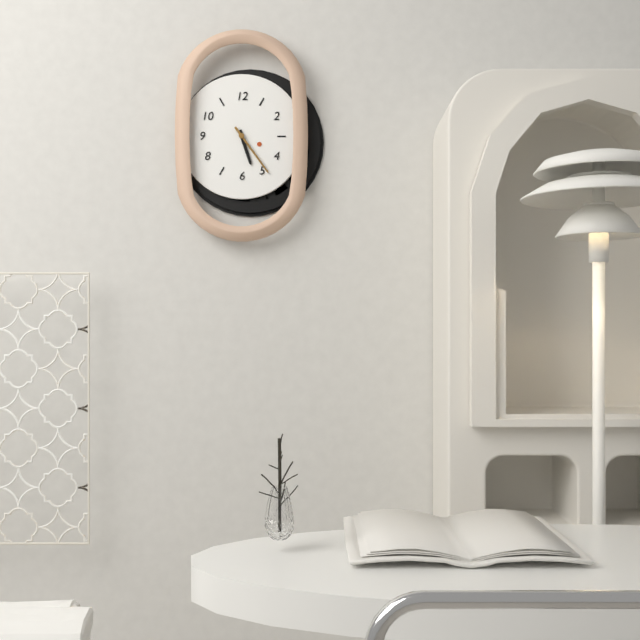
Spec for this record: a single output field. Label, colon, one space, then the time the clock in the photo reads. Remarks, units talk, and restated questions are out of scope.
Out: 5:24
